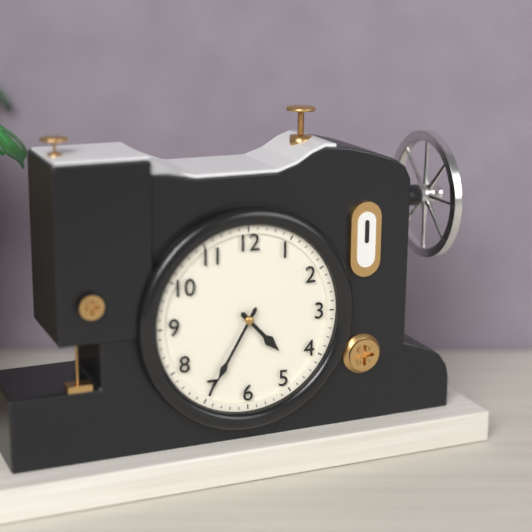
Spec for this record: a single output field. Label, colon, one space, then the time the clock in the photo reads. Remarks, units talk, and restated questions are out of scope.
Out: 4:35
